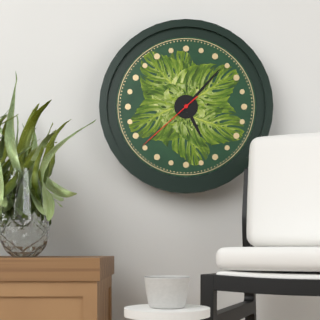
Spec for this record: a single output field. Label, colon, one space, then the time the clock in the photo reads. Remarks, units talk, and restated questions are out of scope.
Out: 5:07:38
